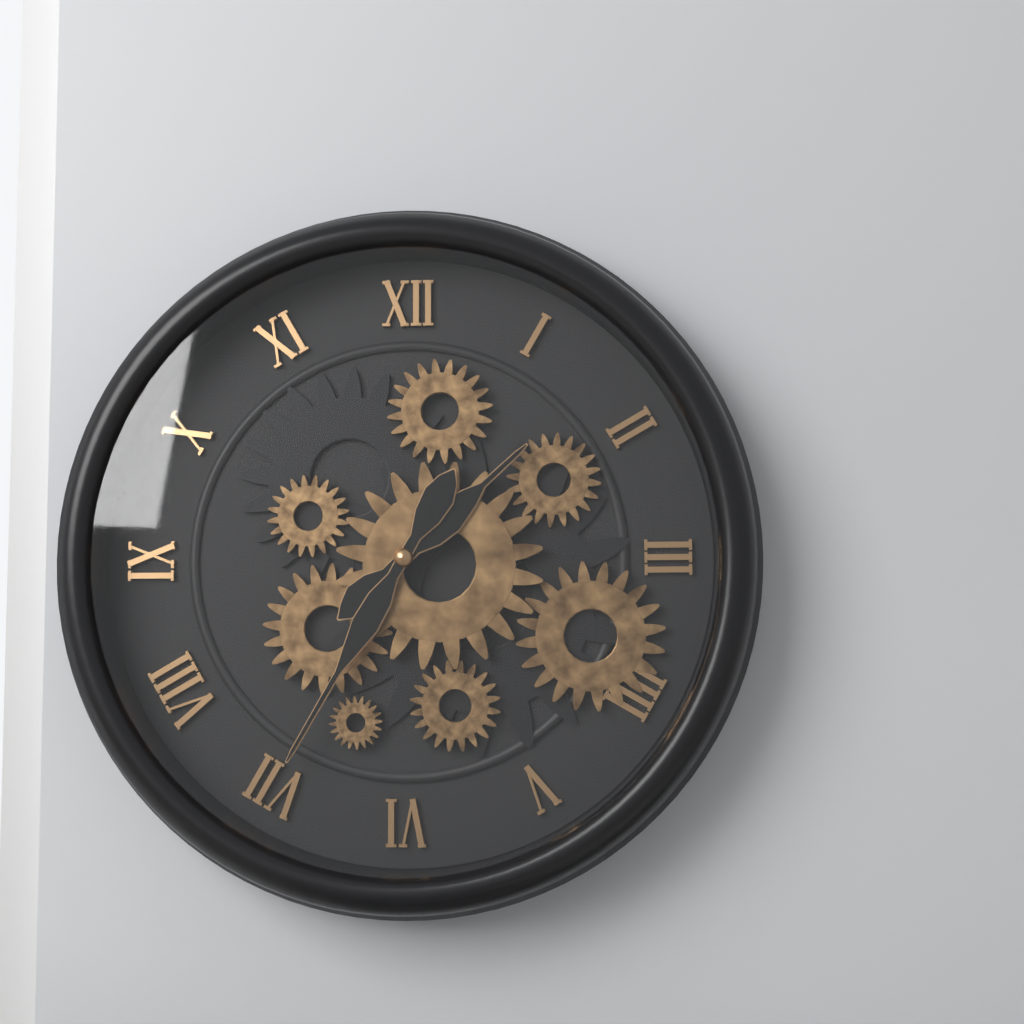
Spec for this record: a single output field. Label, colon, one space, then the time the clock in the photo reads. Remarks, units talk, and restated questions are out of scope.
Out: 1:35
